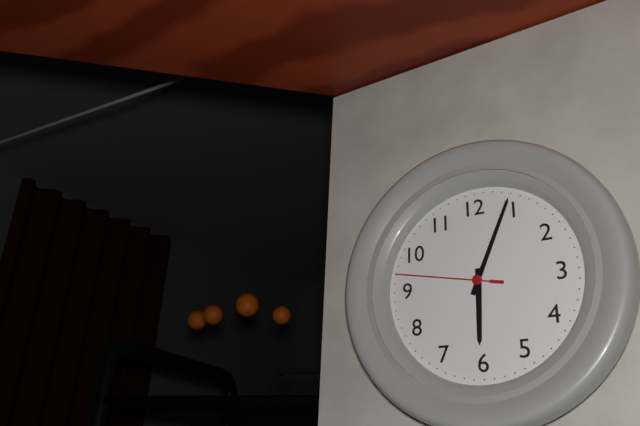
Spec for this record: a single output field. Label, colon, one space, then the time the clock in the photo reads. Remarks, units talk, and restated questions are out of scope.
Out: 6:04:47
